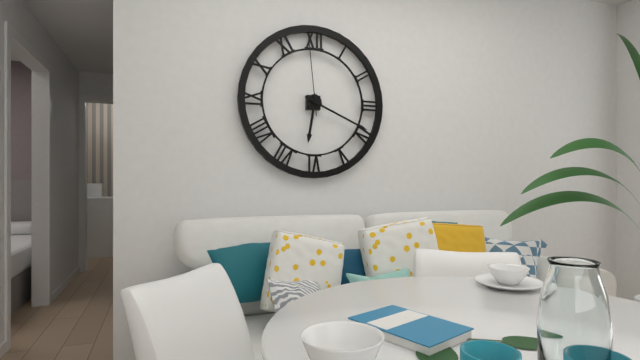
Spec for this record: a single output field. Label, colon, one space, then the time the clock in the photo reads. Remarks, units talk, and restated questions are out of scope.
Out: 6:19:59
